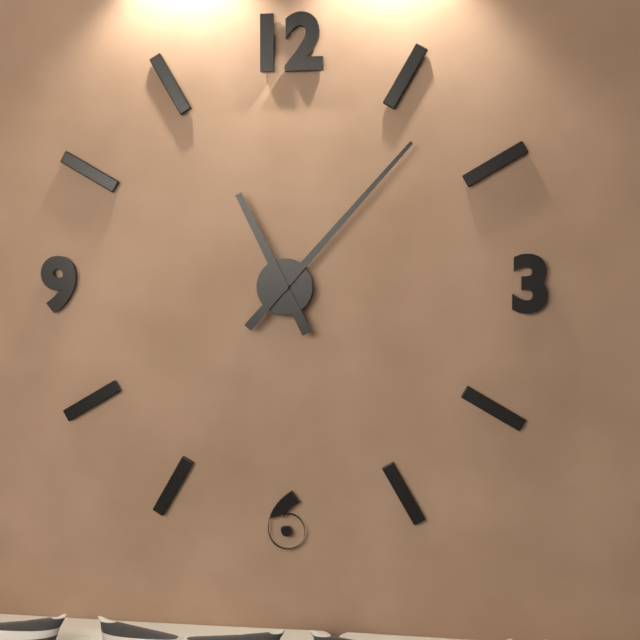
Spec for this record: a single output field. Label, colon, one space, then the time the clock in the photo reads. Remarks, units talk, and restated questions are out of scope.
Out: 11:07
